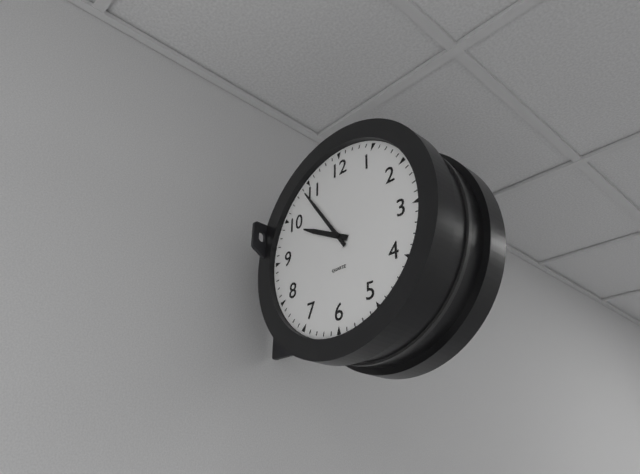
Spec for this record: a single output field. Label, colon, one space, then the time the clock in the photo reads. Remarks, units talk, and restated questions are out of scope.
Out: 9:54
